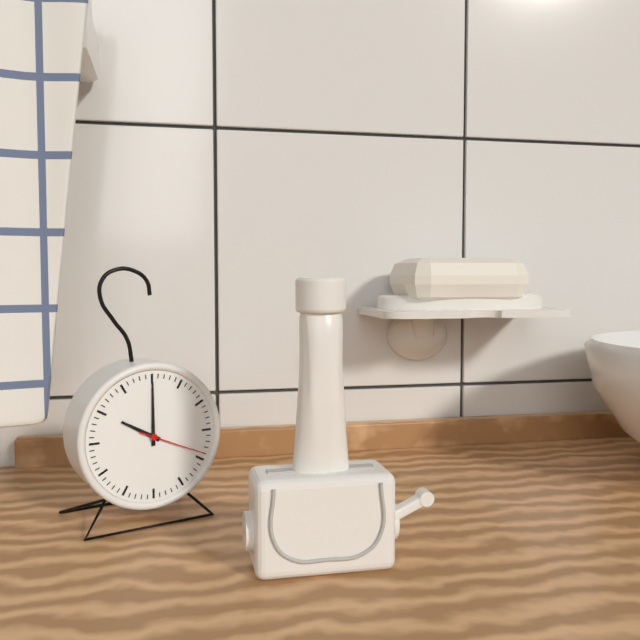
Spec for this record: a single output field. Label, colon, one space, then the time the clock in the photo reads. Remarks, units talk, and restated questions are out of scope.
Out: 10:00:19
